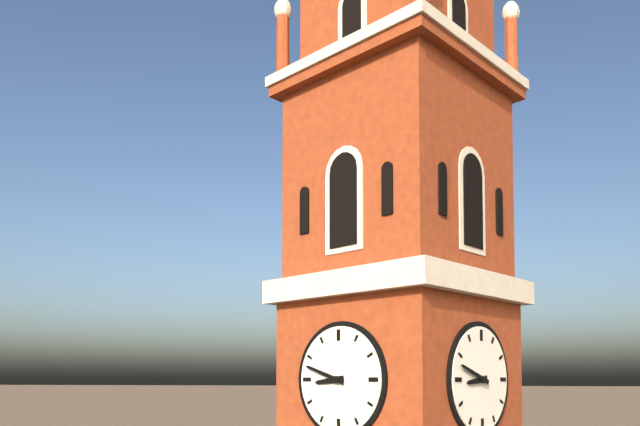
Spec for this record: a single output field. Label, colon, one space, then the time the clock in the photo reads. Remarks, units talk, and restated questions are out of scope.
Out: 8:48
